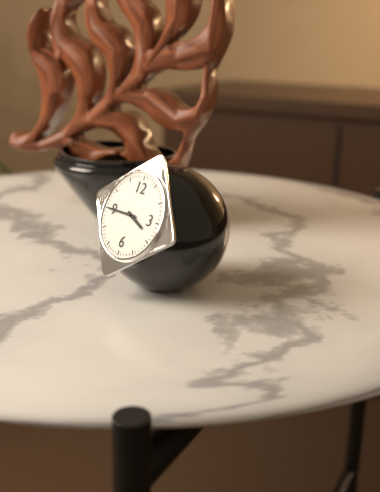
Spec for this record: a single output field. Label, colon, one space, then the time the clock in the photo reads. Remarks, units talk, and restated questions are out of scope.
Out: 3:45
